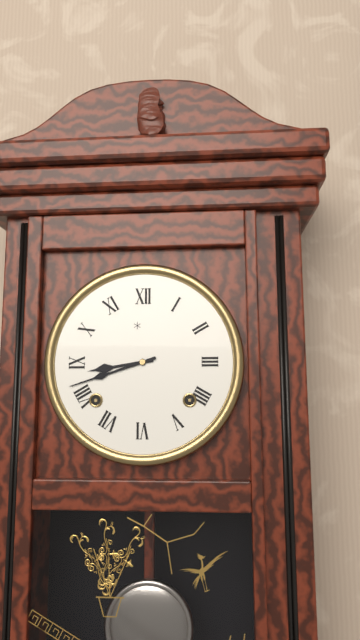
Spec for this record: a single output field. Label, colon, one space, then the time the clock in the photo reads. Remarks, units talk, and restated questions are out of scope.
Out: 8:42
